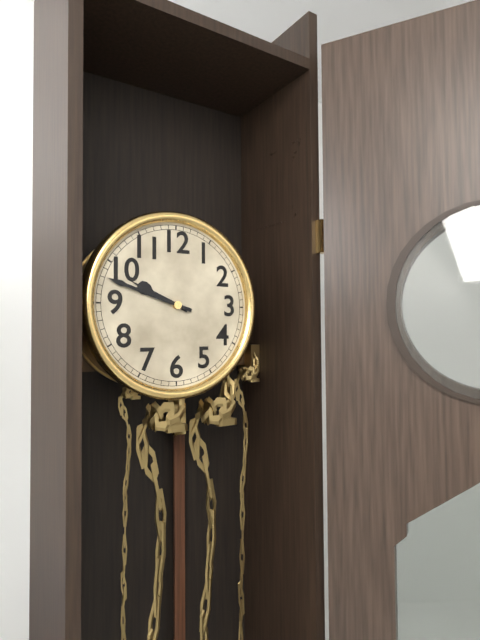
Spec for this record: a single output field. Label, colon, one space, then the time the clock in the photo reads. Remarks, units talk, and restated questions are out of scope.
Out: 9:48
